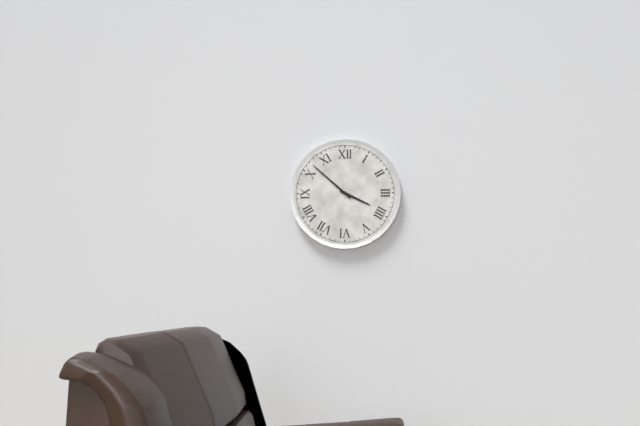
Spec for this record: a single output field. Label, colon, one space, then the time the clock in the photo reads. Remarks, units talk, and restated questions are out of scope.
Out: 3:52
